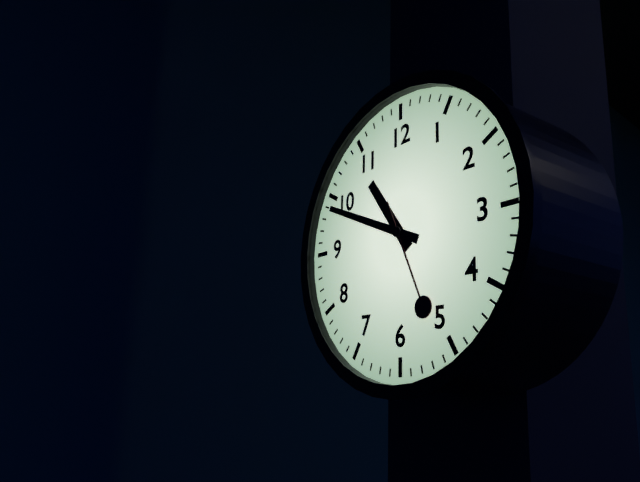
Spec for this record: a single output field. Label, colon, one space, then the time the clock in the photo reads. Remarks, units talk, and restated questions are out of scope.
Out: 10:49:26
